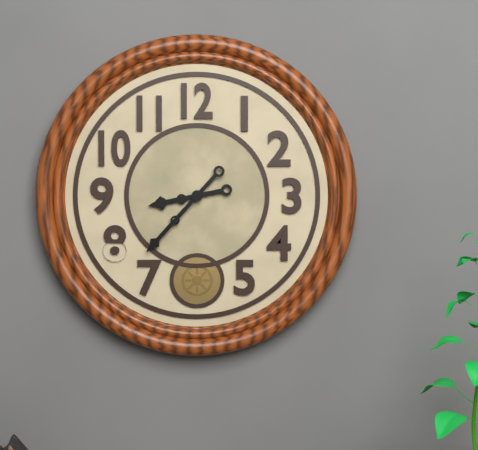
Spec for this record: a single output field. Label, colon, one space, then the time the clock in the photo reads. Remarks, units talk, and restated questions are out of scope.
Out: 8:37
